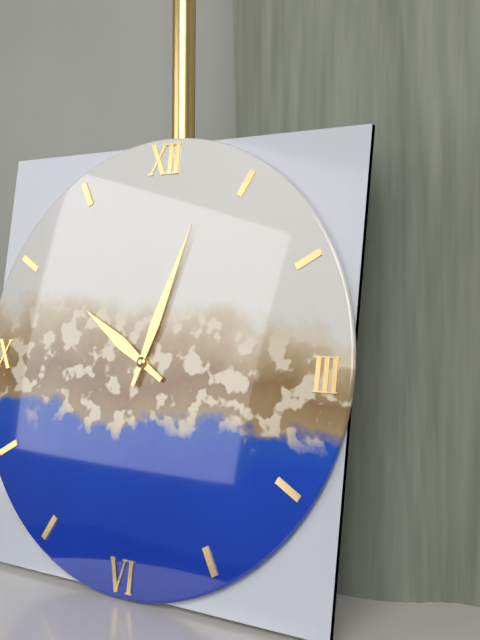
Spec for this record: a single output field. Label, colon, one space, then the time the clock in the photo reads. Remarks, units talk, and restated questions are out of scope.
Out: 10:03
